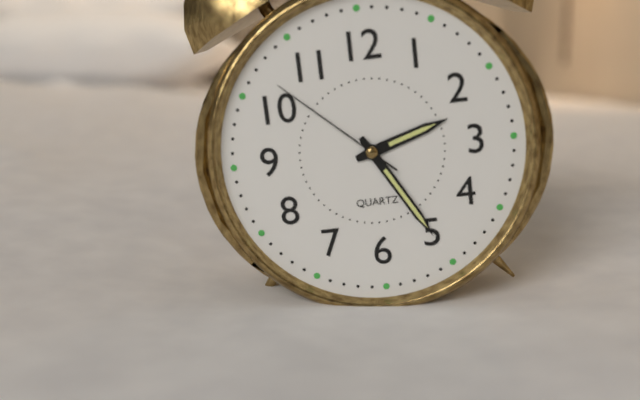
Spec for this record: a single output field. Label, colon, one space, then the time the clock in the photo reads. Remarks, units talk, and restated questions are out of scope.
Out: 2:25:52
